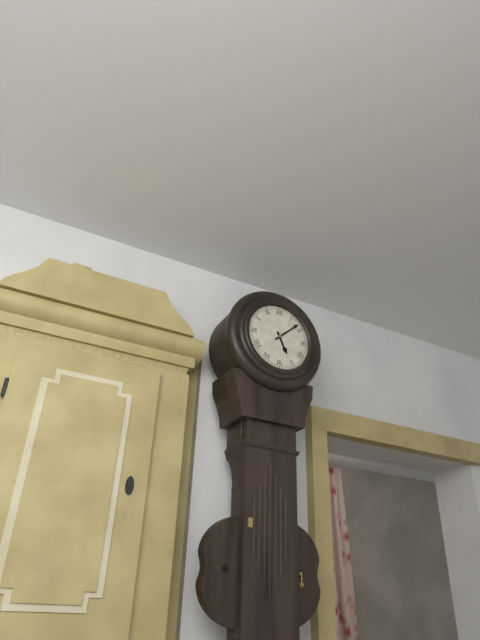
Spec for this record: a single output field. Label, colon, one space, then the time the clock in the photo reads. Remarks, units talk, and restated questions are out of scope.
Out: 5:08
